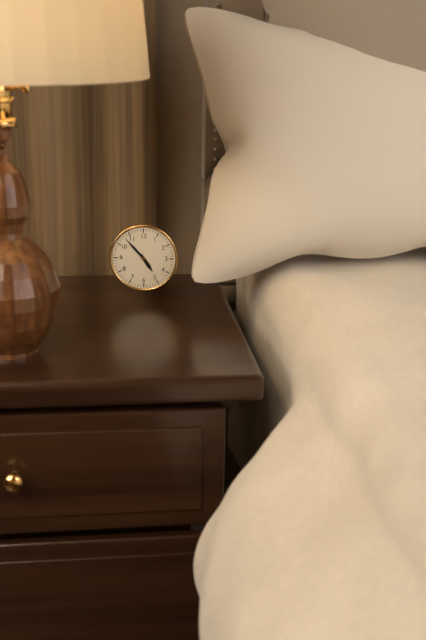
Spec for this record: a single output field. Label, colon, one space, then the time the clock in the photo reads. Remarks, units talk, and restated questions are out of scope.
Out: 4:53
